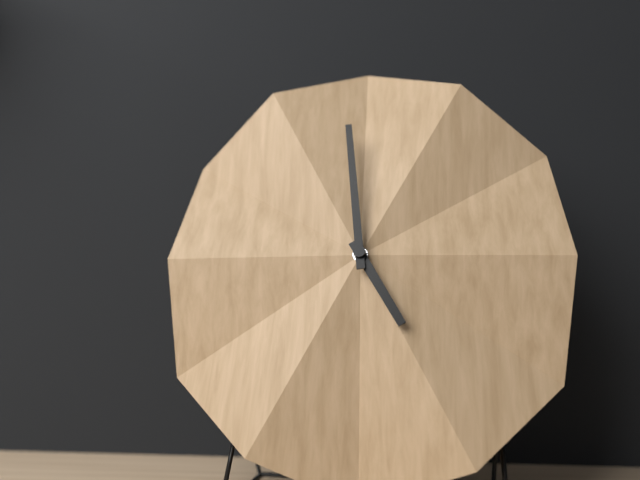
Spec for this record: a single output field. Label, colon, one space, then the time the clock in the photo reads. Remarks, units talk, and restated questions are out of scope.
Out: 4:59
